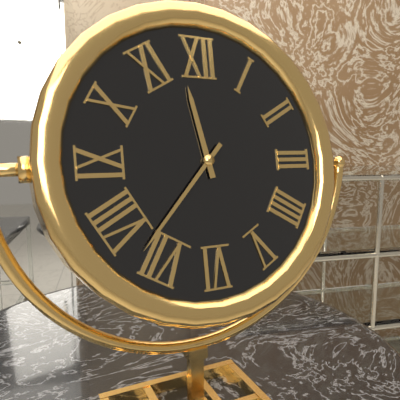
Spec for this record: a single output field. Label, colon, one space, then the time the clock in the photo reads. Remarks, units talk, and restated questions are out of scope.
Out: 11:37
